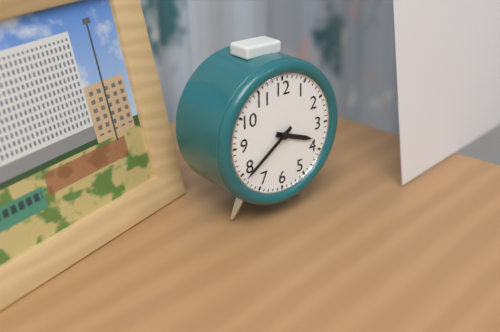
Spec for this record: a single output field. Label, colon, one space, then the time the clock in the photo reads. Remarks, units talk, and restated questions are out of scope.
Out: 3:39
